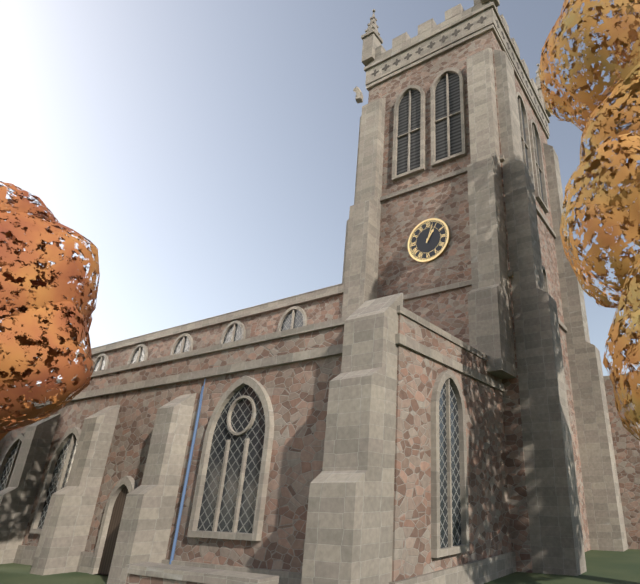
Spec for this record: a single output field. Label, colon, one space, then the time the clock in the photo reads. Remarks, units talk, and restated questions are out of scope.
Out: 1:03
